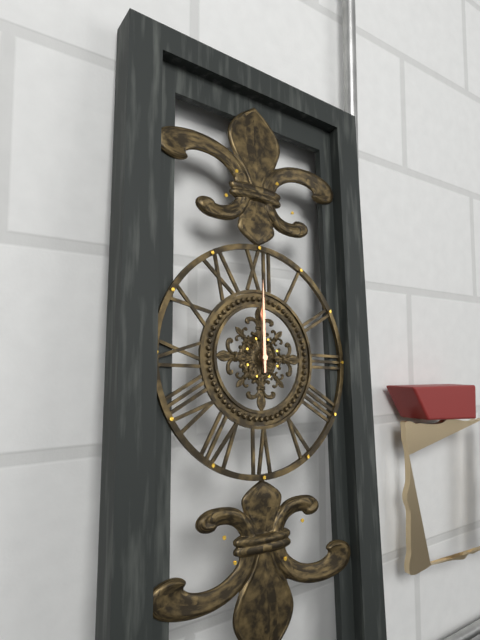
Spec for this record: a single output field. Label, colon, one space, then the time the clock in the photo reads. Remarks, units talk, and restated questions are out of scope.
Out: 12:00
